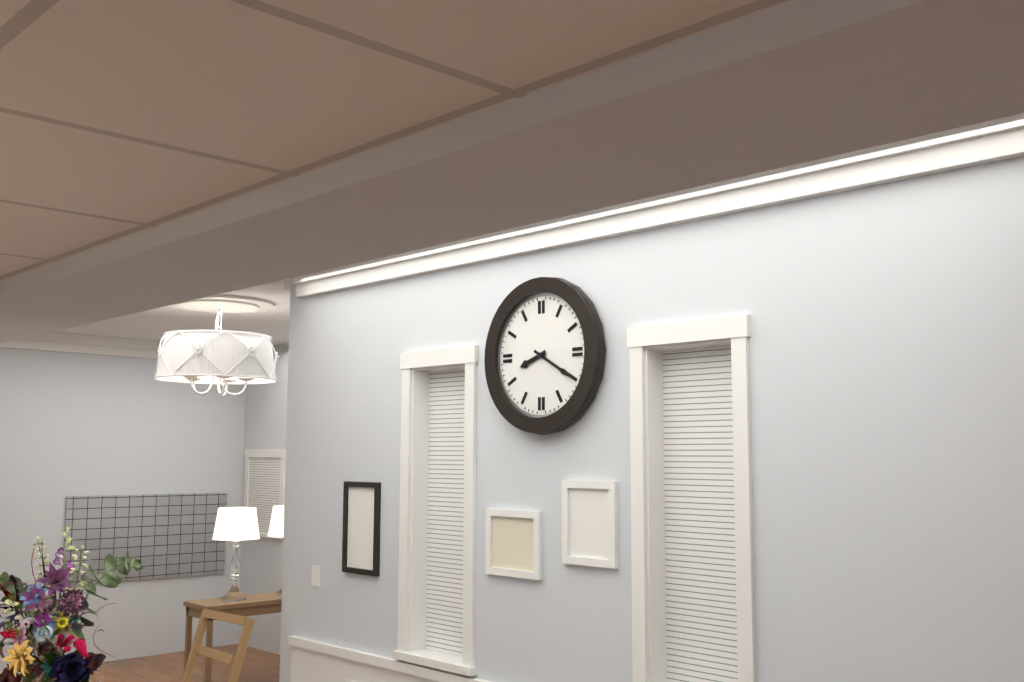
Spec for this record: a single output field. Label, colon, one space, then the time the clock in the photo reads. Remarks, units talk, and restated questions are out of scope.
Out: 8:20
